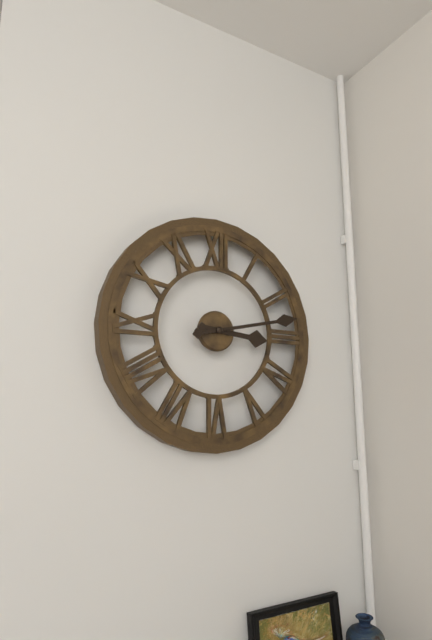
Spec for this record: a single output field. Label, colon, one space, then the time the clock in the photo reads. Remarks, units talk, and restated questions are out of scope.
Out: 3:13
